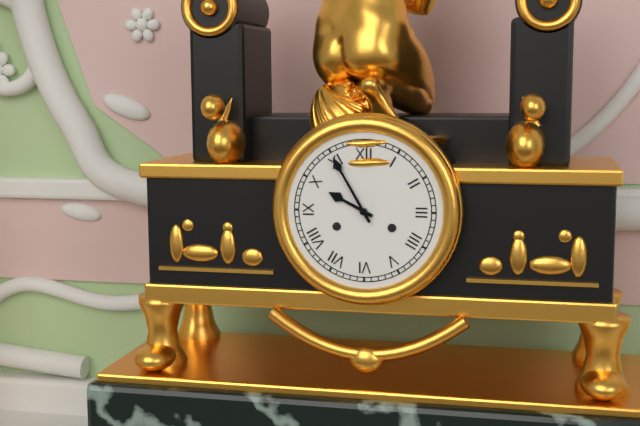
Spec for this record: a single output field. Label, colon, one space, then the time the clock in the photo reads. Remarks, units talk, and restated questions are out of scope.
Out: 9:55
